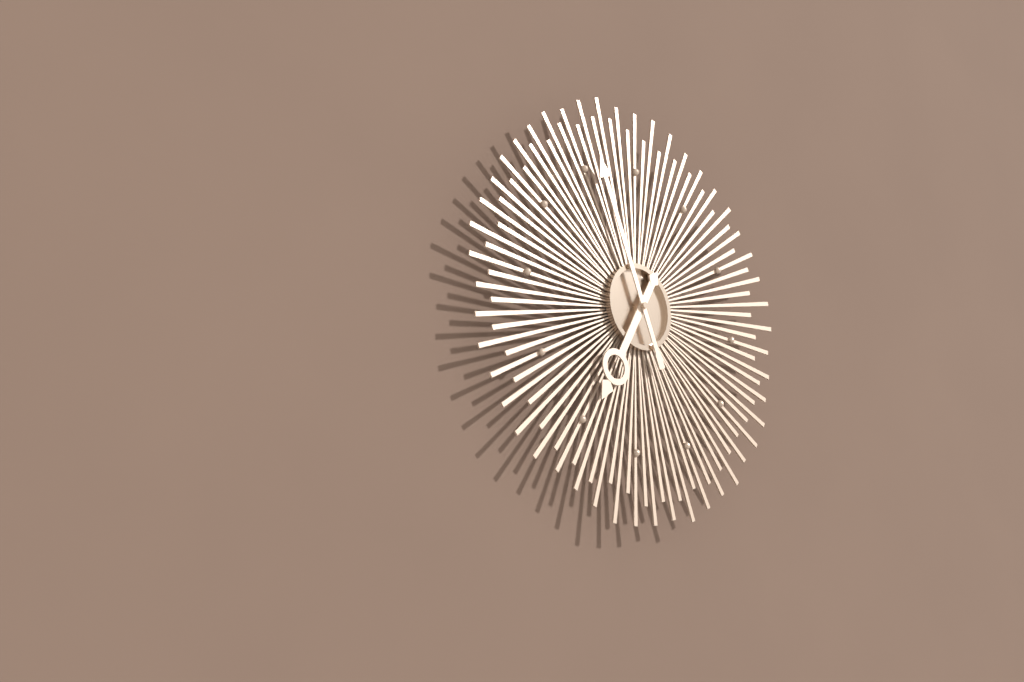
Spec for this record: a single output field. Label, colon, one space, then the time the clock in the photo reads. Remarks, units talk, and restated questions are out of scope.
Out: 6:56
